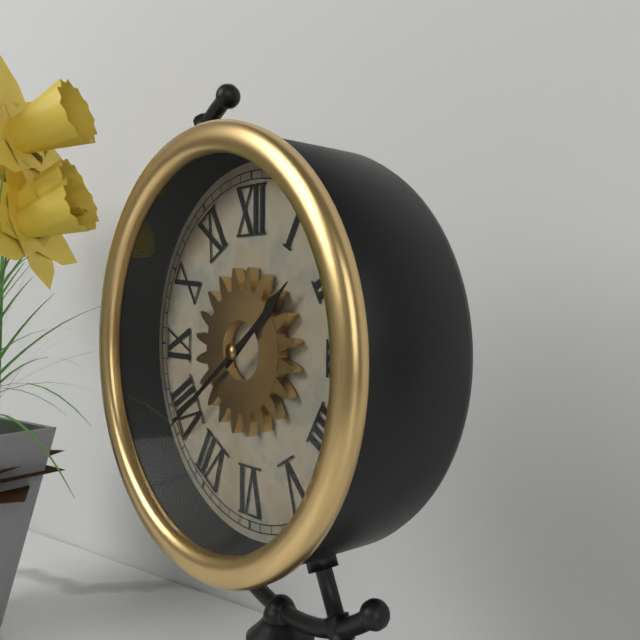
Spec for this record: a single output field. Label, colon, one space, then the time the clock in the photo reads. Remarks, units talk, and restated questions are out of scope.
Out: 1:39
